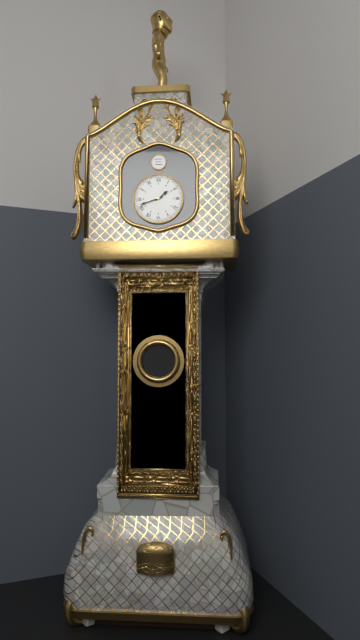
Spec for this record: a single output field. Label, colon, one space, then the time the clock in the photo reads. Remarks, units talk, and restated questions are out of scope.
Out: 1:42
